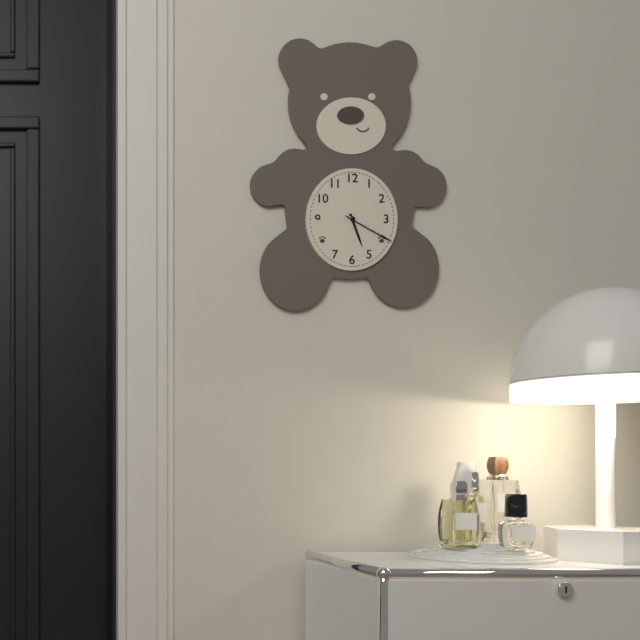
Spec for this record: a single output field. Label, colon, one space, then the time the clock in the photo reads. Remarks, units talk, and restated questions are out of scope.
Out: 5:20
